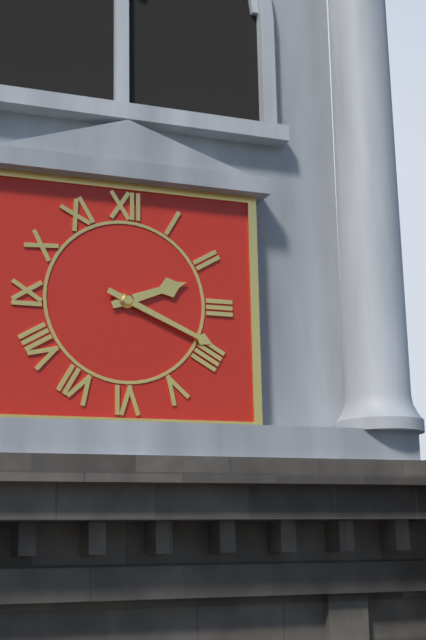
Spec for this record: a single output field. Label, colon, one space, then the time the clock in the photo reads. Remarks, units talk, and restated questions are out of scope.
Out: 2:19
